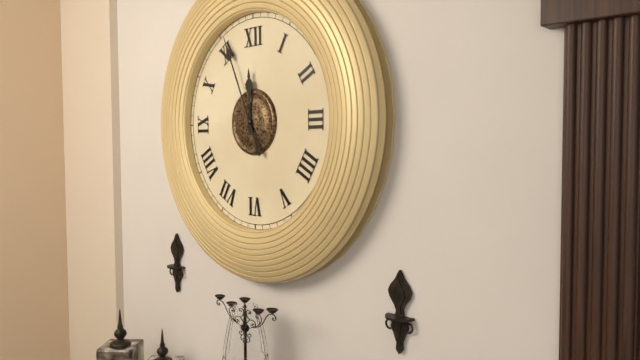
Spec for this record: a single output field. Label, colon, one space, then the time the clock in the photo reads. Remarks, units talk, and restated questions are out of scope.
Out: 11:56
